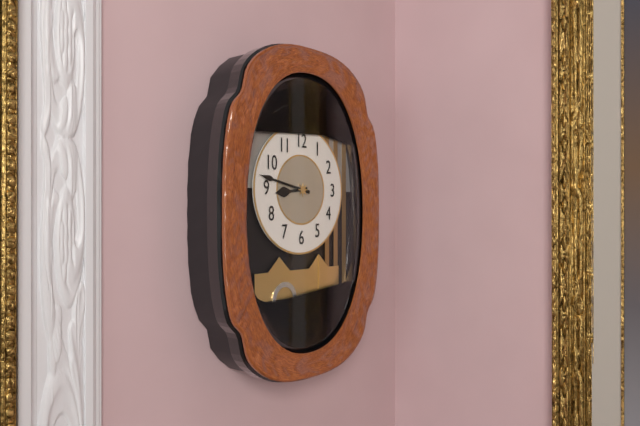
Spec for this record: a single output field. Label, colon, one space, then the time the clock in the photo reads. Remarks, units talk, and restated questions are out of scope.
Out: 8:47
